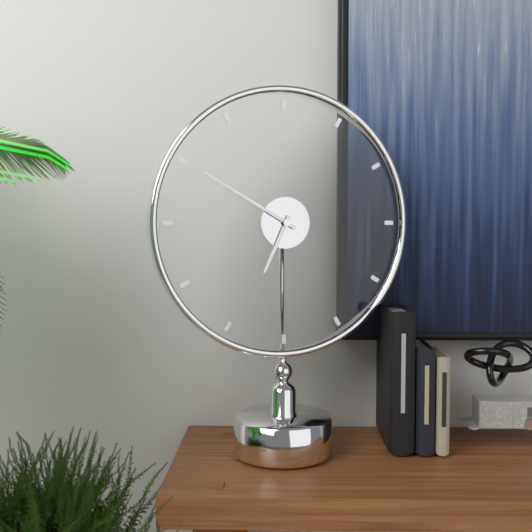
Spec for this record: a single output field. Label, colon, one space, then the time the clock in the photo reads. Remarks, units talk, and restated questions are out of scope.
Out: 6:50
